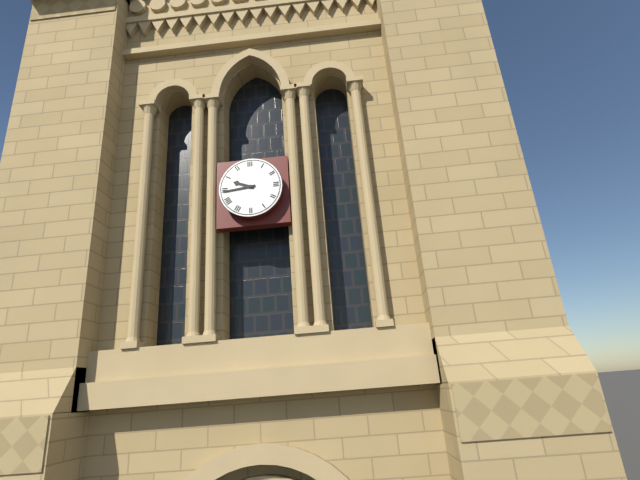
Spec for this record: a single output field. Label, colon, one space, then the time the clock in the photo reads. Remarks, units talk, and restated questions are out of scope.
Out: 9:44
